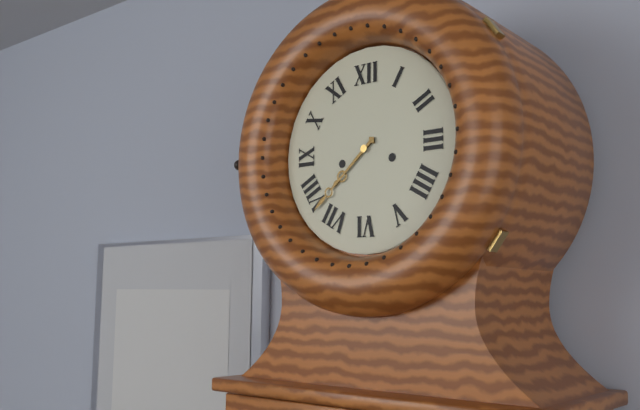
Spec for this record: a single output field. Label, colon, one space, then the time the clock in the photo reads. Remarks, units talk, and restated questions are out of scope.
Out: 7:38
